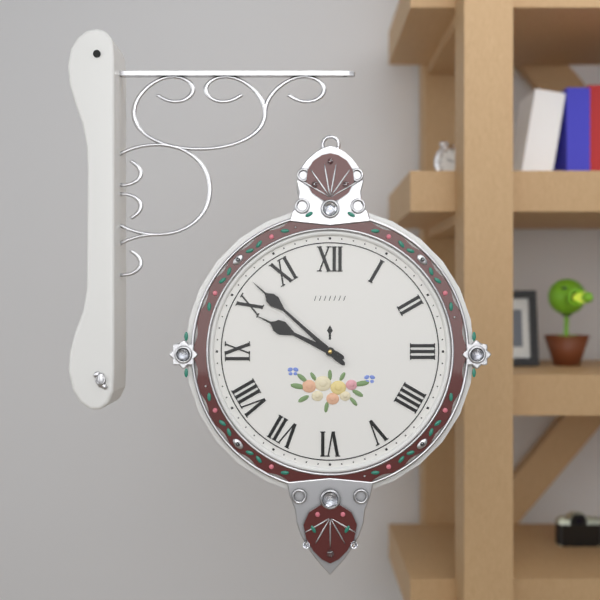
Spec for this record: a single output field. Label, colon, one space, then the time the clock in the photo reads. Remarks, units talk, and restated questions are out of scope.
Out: 9:52
